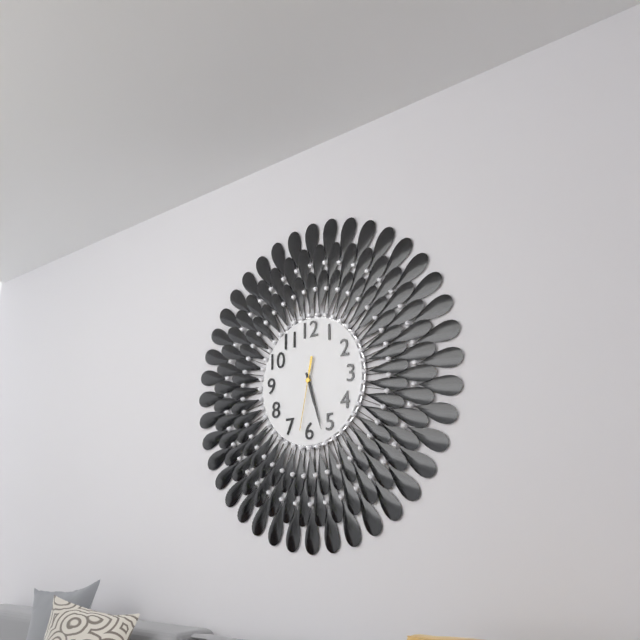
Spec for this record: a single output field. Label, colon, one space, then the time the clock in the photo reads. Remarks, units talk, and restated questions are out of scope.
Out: 5:27:32
